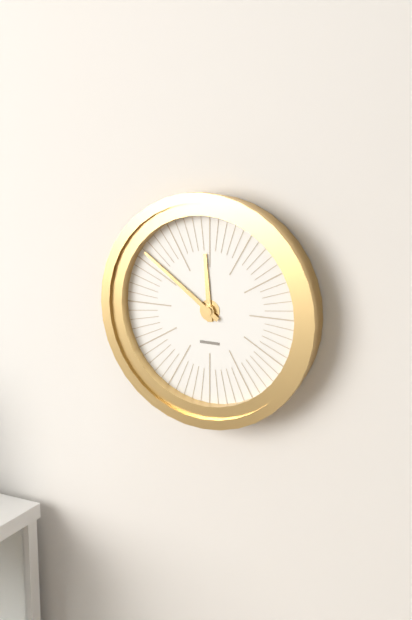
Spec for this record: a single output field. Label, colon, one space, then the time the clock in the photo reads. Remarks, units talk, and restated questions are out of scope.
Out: 11:51
